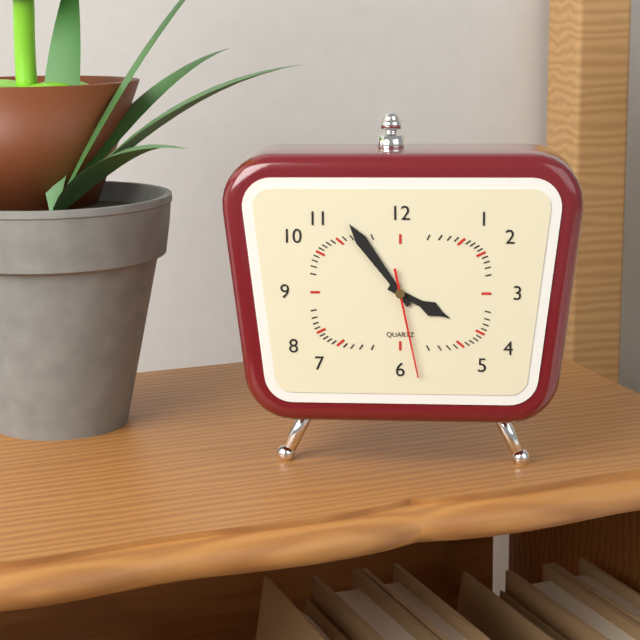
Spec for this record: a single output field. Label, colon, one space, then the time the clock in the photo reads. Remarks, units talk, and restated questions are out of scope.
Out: 3:54:28
